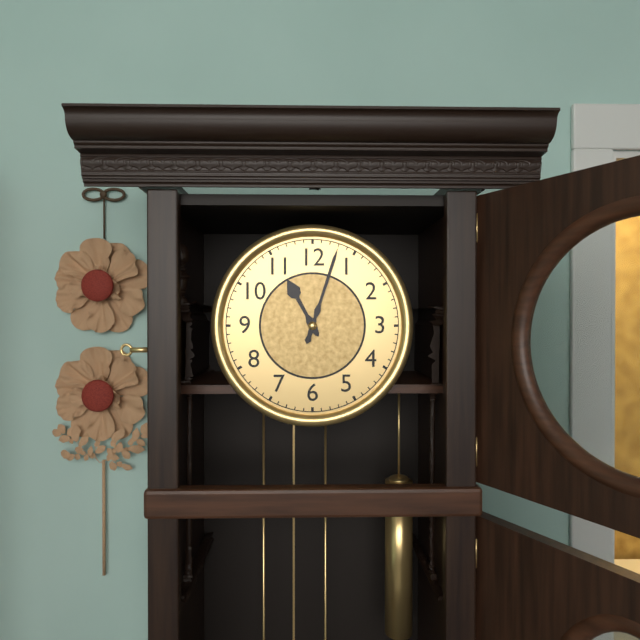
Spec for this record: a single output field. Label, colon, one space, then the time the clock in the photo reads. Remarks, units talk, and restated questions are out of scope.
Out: 11:03
